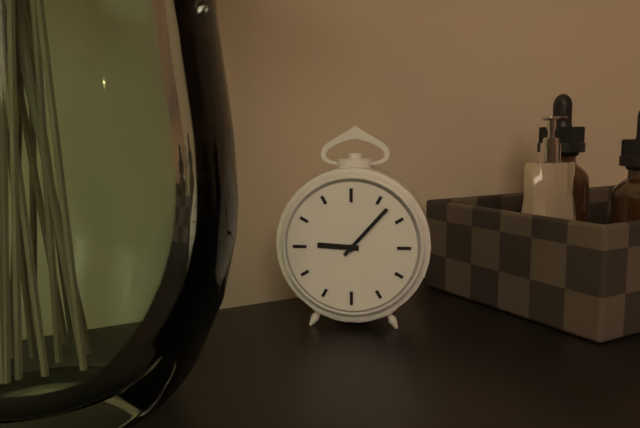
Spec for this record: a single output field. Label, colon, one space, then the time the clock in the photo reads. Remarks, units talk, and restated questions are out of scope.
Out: 9:07
